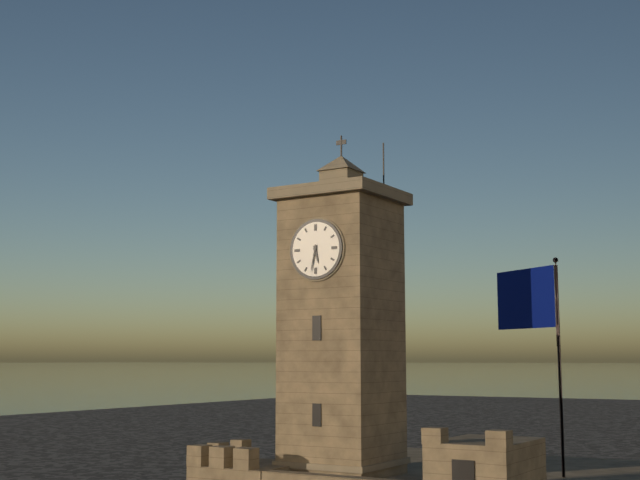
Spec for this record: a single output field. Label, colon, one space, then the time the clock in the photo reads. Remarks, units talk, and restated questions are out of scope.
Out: 5:32
